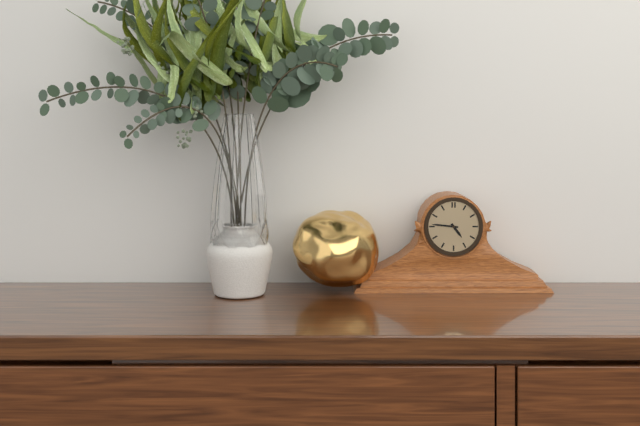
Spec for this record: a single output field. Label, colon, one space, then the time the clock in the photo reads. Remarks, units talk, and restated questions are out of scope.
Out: 4:46
